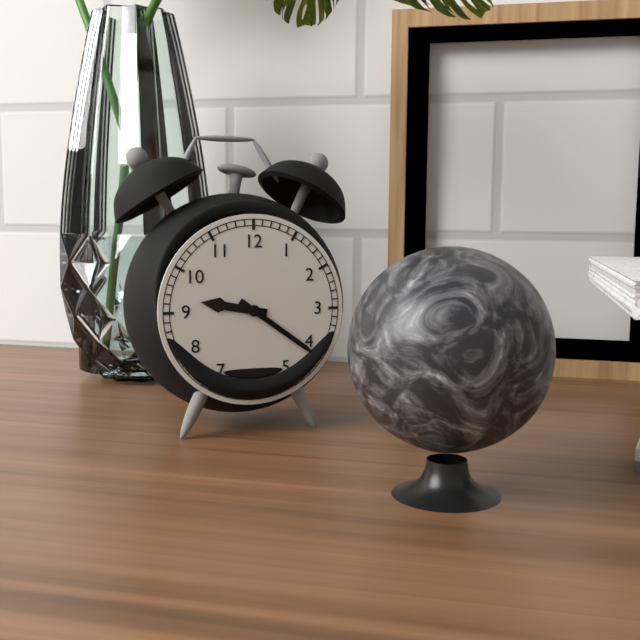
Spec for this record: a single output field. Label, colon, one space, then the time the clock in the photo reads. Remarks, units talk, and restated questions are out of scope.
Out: 9:21
